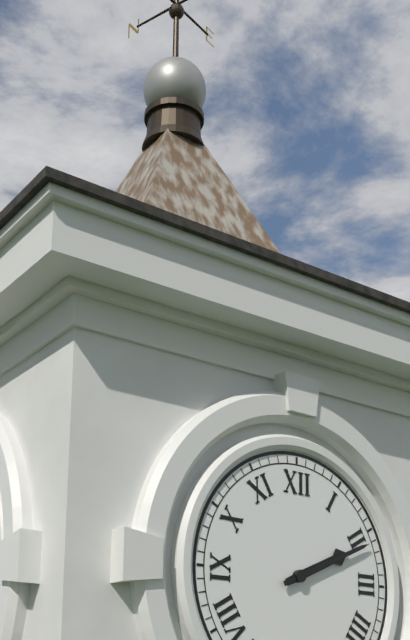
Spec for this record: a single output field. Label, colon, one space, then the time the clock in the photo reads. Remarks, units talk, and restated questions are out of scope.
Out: 2:11
